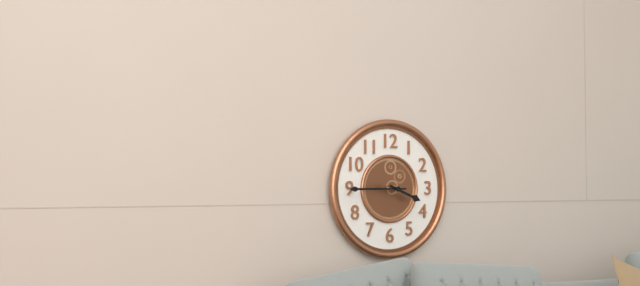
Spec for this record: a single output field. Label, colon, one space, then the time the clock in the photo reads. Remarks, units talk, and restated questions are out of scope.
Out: 3:45
